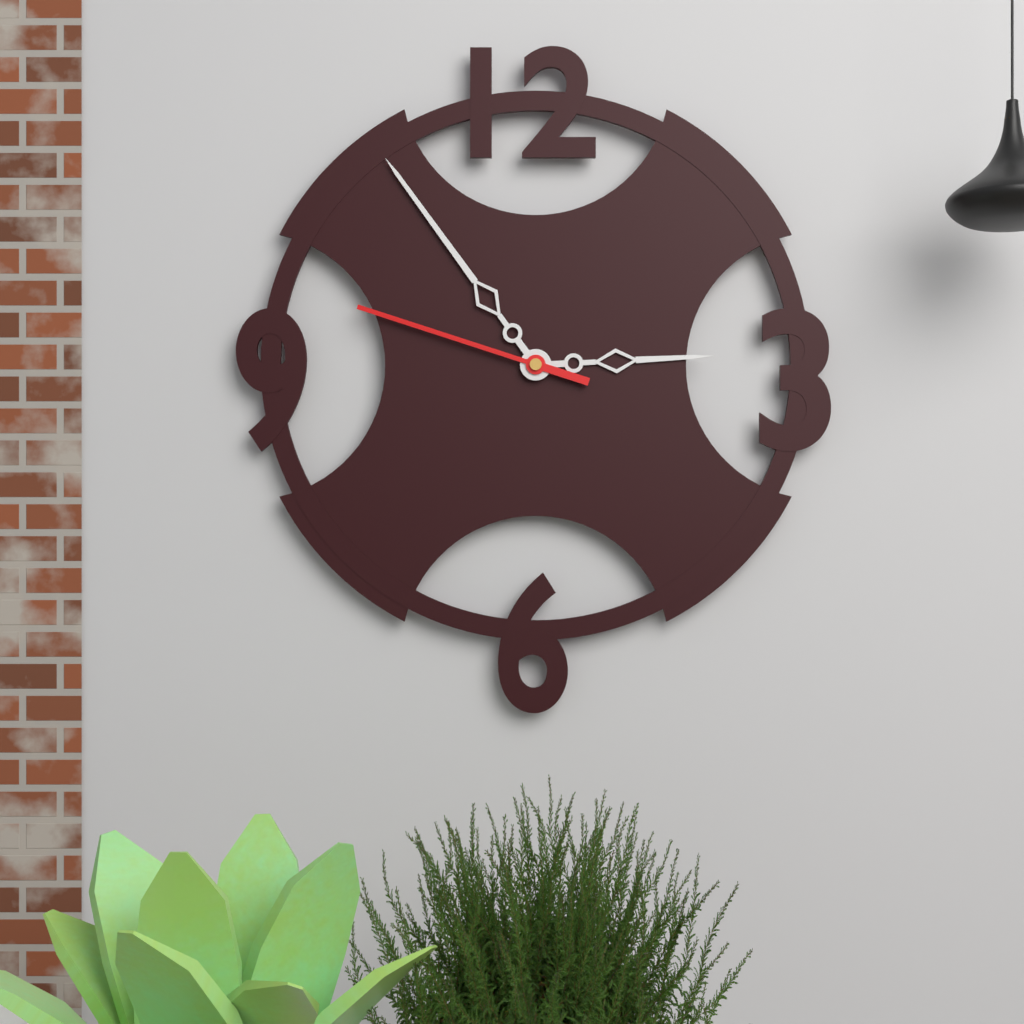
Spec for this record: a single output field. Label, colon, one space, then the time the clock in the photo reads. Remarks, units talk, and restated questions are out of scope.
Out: 2:54:48
